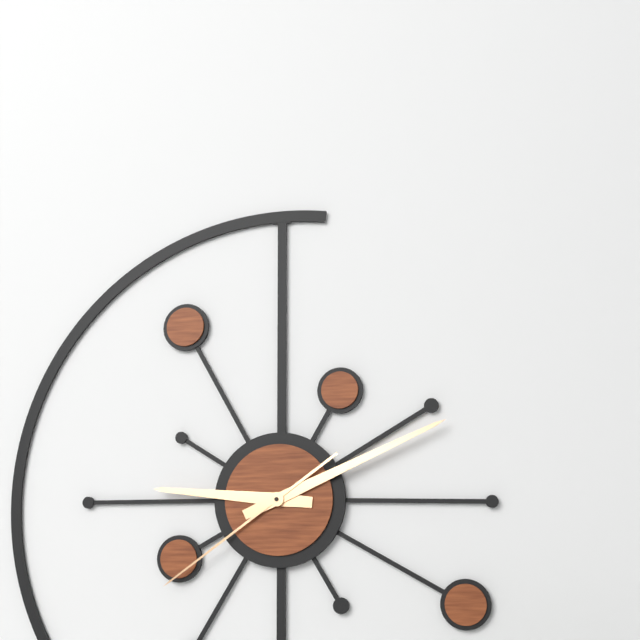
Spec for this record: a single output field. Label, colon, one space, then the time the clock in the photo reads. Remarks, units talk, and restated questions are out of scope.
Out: 9:11:39
